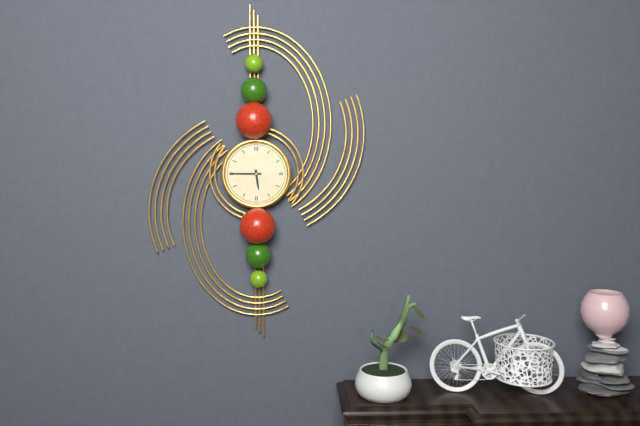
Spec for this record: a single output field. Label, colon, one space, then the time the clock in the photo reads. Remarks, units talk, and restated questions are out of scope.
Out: 5:45
